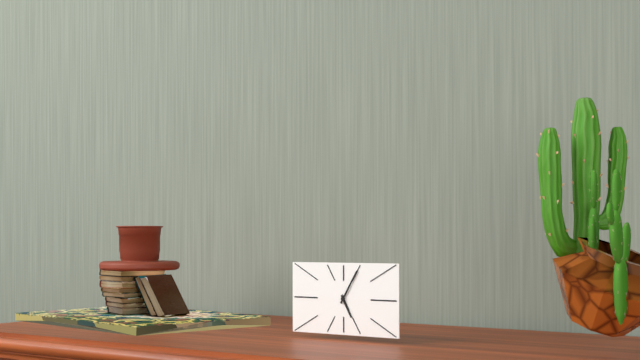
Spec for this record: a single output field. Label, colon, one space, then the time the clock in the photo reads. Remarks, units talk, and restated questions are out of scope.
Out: 5:05
